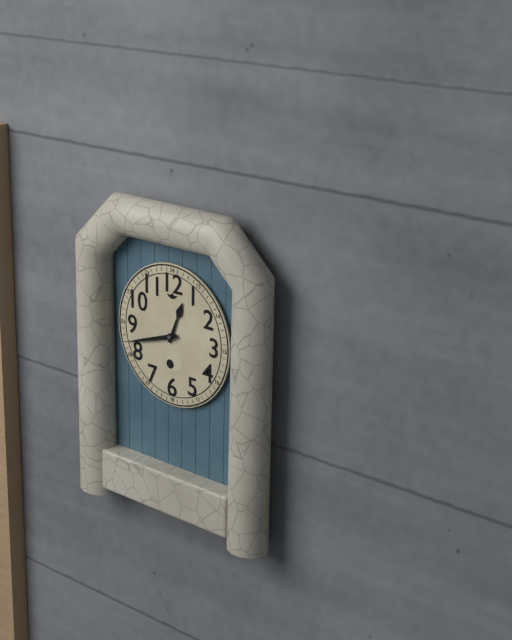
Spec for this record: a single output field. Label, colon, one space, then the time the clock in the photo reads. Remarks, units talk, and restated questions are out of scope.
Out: 12:42
